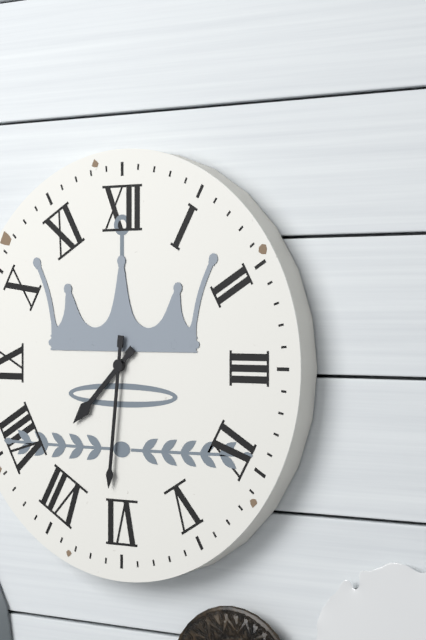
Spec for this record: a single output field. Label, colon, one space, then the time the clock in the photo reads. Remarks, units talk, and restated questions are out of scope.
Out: 7:31
